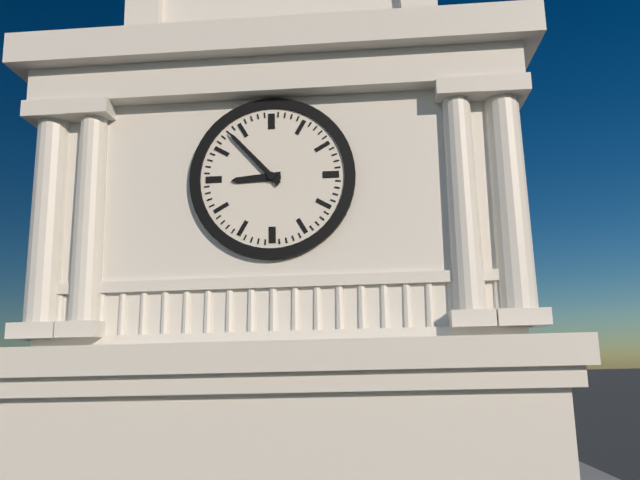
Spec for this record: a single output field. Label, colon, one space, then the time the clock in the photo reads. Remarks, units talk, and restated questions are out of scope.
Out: 8:53
